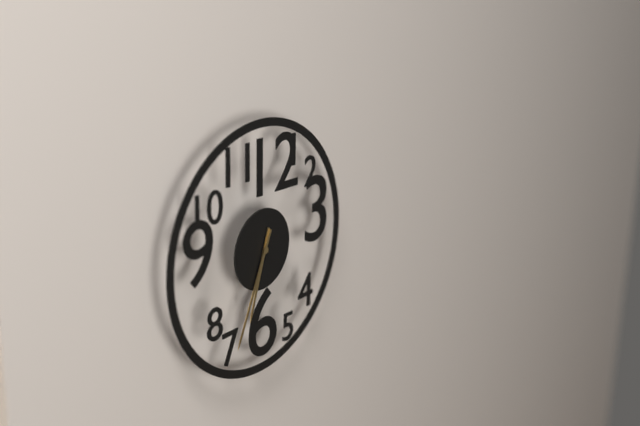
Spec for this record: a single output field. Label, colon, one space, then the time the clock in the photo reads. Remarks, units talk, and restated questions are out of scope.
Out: 6:34
